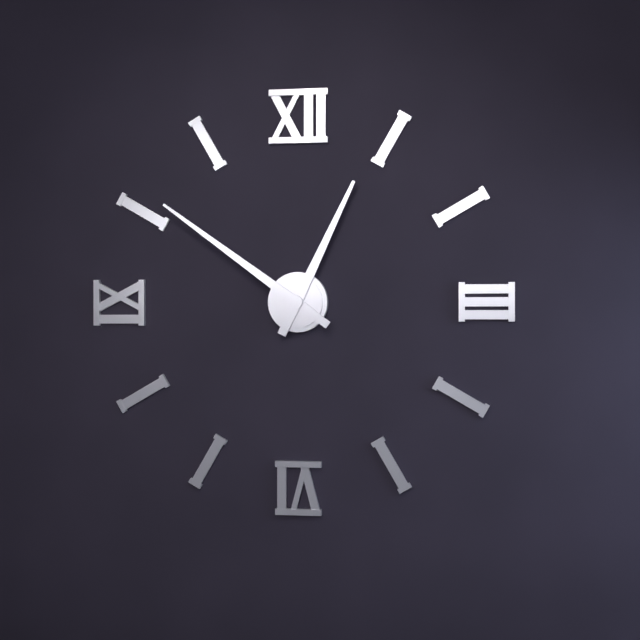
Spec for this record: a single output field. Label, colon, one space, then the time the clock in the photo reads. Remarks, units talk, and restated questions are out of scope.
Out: 12:51
